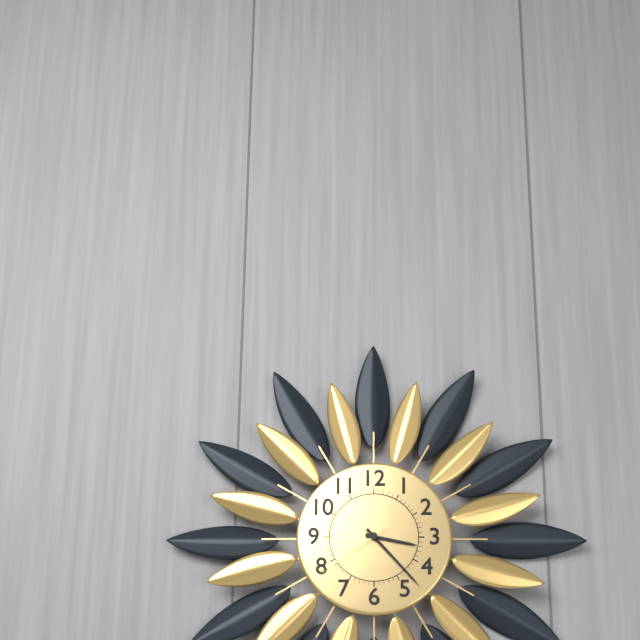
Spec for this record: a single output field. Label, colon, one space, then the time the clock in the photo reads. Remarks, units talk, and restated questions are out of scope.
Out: 3:23:39
